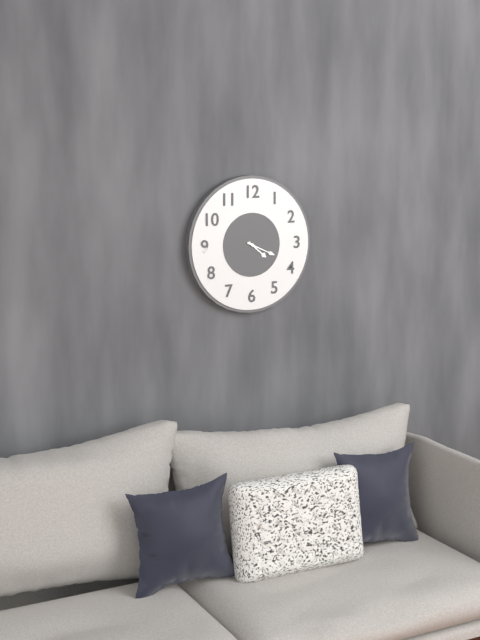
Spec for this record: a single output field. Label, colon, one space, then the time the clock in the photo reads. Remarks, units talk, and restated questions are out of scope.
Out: 4:19
